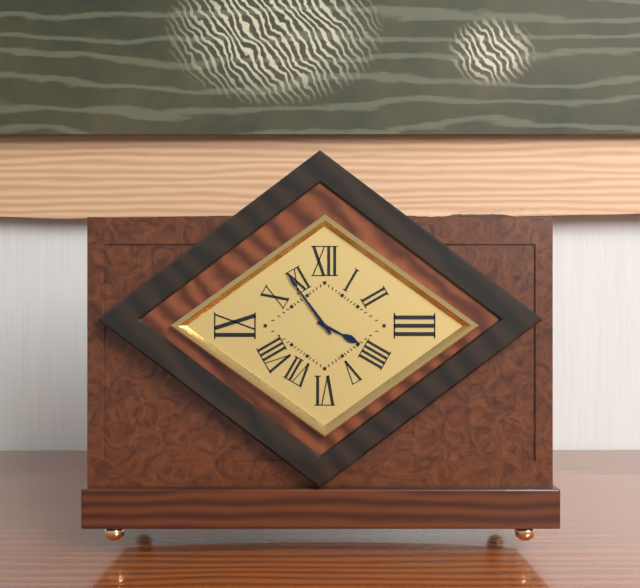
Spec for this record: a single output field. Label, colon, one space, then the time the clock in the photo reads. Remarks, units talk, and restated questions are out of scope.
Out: 3:54
